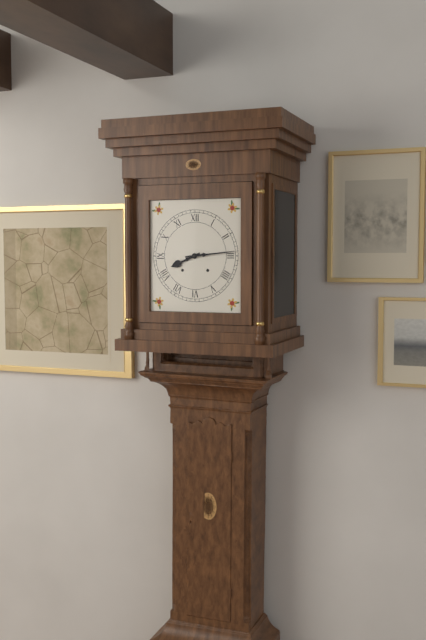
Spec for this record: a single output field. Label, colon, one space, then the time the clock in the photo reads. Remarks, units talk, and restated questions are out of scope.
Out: 8:14
